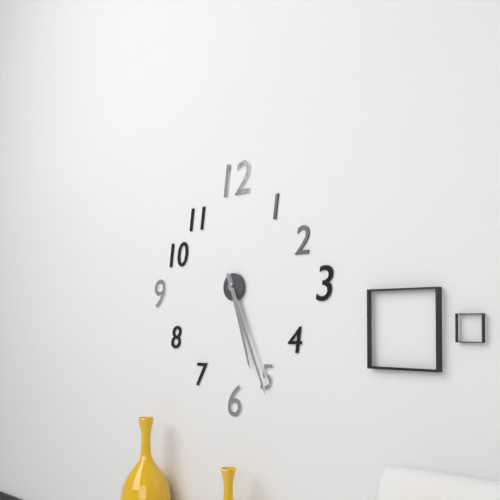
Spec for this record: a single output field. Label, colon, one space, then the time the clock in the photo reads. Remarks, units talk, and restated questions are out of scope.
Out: 5:26
